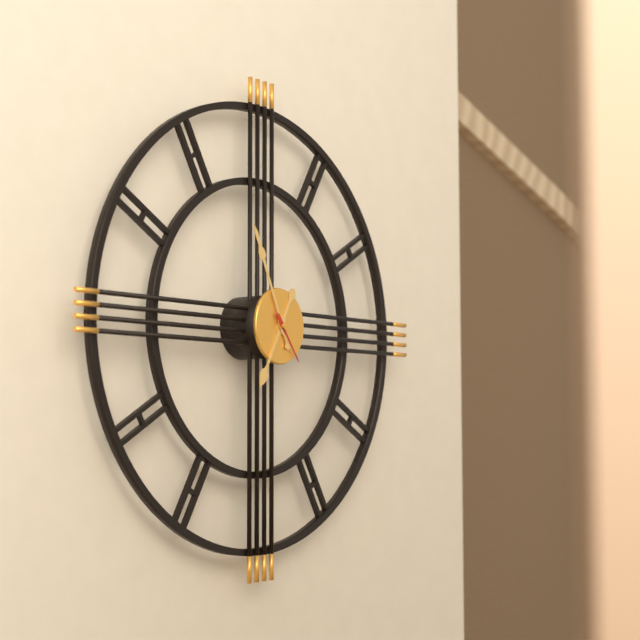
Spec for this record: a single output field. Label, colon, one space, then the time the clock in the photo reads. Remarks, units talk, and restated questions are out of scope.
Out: 6:56:24
